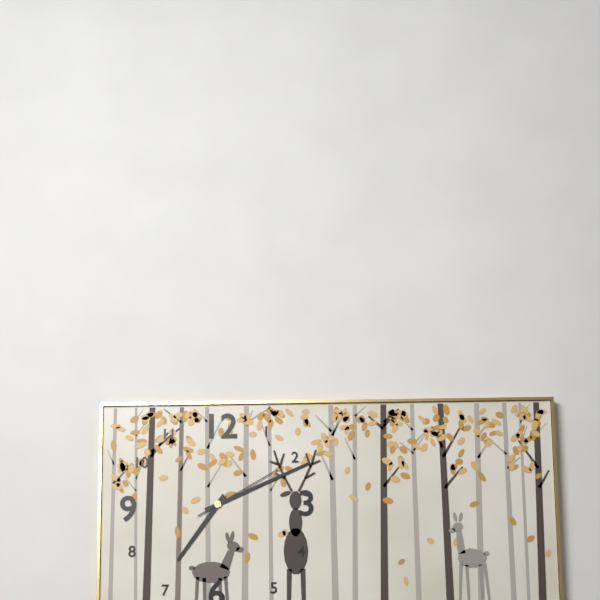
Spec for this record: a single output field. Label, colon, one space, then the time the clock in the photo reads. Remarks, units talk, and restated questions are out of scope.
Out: 7:11:10
